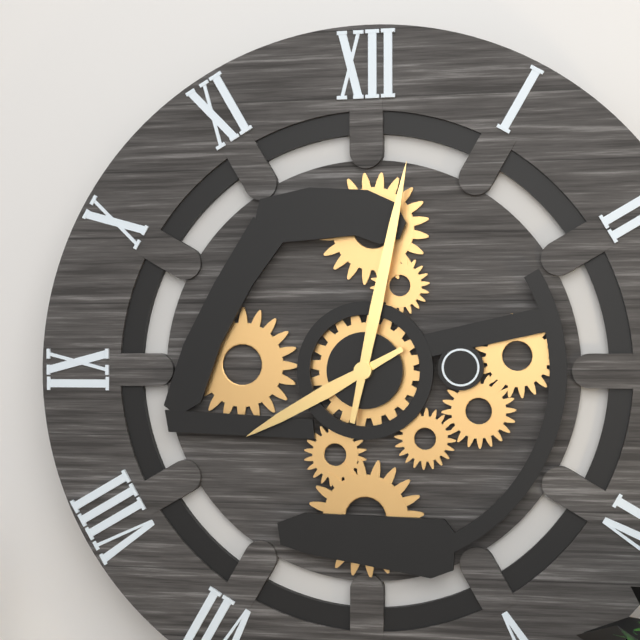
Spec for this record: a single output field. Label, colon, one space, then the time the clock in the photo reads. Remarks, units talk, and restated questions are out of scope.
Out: 8:02
